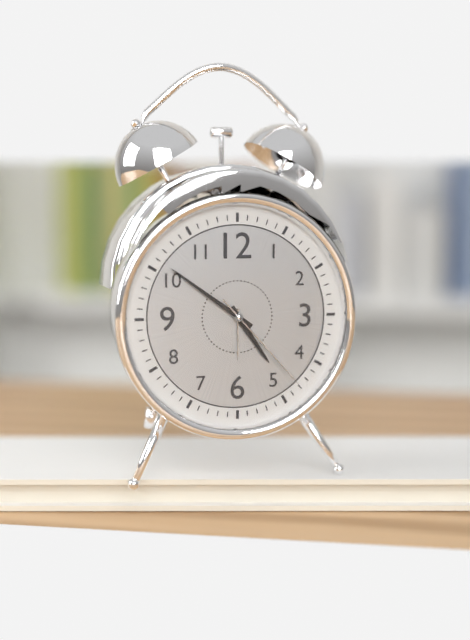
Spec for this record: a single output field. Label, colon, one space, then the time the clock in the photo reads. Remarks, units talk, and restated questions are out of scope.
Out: 4:51:23
